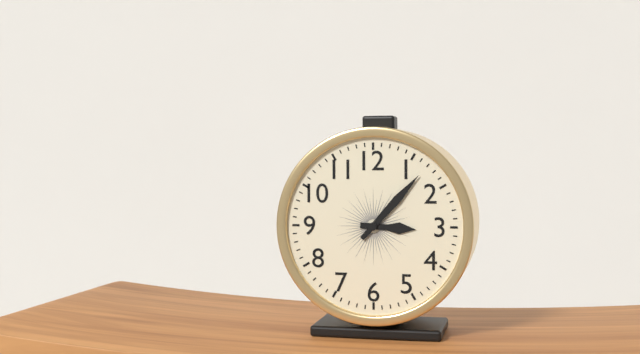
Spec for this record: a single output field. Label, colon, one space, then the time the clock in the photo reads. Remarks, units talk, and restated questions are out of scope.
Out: 3:07
